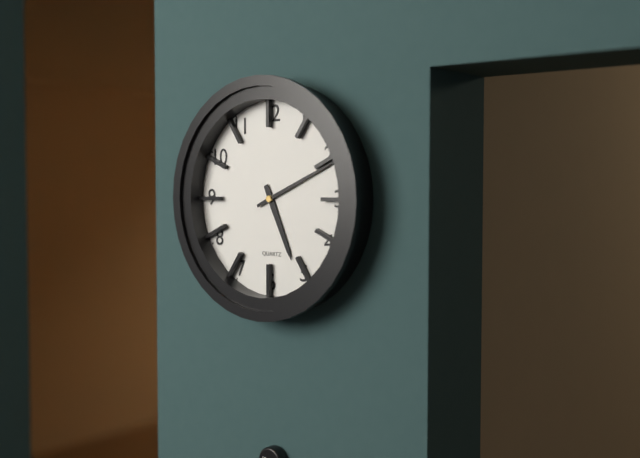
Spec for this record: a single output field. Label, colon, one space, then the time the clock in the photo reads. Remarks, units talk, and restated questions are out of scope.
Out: 5:11
